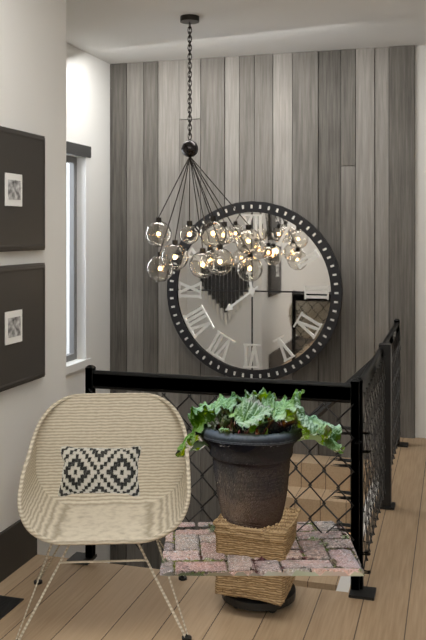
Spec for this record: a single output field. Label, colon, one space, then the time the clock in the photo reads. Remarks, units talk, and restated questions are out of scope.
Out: 11:39
